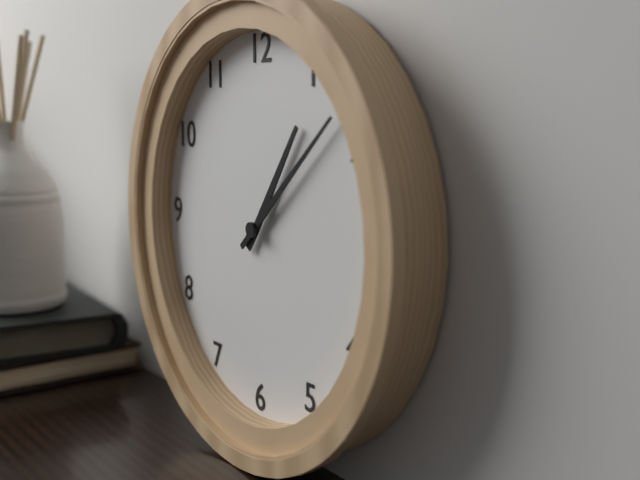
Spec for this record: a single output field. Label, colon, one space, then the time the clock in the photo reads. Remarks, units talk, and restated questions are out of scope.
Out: 1:08
